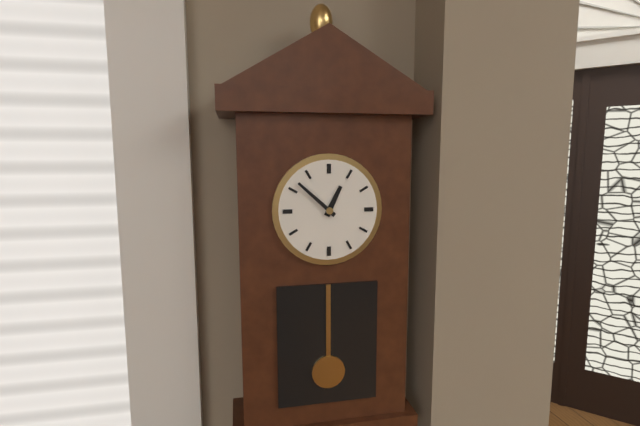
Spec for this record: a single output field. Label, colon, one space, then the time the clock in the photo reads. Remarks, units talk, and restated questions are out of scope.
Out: 12:52
